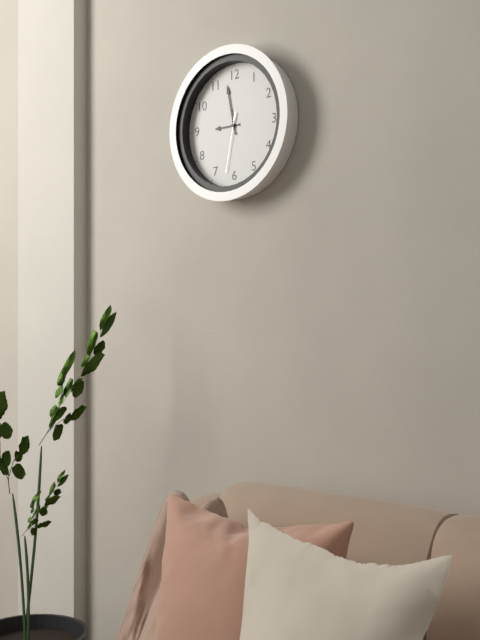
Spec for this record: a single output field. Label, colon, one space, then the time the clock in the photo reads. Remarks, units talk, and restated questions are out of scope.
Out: 8:58:32
